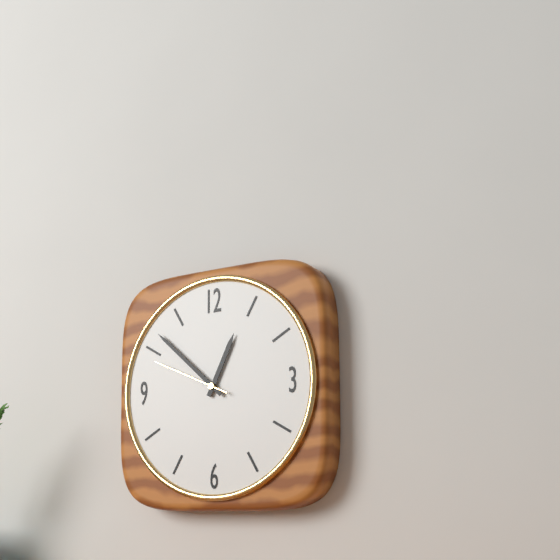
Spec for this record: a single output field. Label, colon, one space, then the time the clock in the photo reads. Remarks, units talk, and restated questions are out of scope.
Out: 12:52:49
